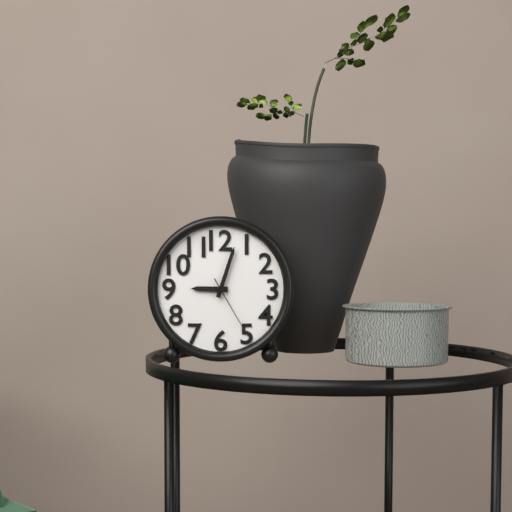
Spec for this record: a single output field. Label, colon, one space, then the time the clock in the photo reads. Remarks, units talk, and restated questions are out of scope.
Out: 9:03:25
